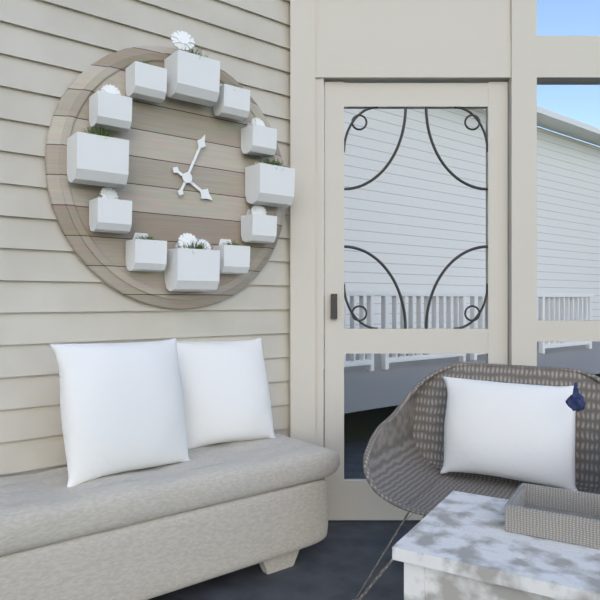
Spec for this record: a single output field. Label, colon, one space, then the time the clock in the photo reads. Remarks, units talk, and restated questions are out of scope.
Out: 4:04
